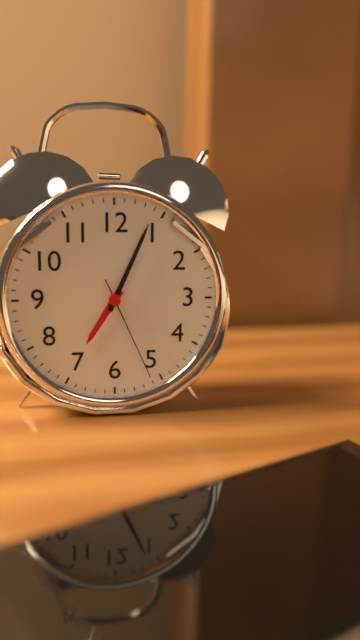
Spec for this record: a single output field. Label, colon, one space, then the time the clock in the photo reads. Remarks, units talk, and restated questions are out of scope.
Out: 7:04:26
